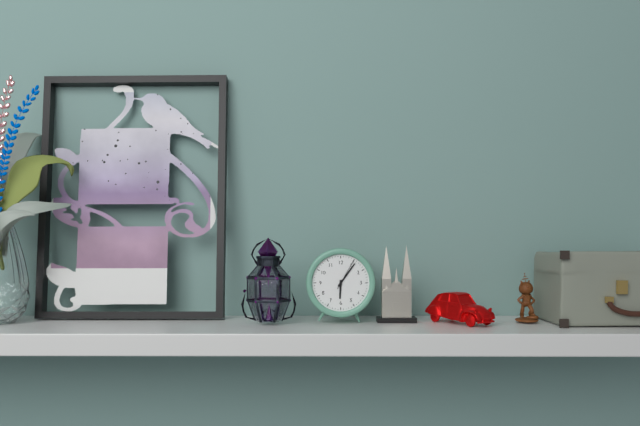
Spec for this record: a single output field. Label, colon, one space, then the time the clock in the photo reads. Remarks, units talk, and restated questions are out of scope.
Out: 6:06
